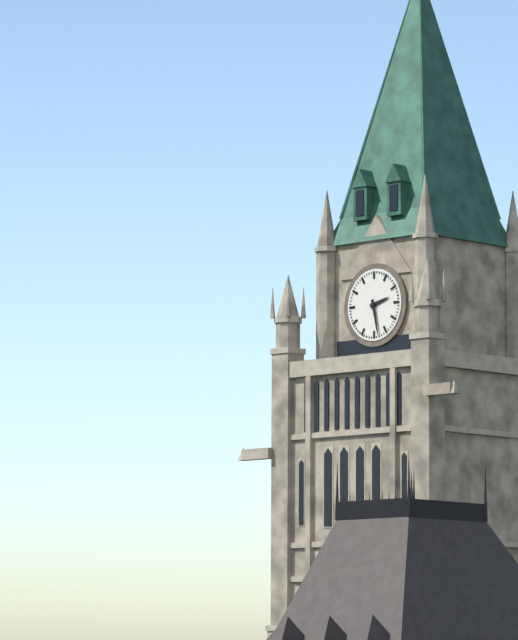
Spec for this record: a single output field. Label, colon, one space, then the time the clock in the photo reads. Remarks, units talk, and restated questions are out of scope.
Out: 2:28
